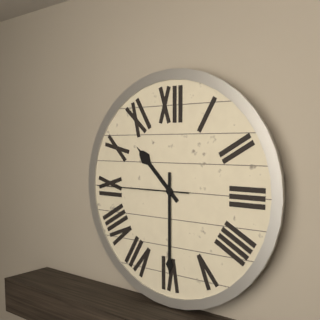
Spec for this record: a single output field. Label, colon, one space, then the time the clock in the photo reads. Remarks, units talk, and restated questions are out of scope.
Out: 10:30:45
